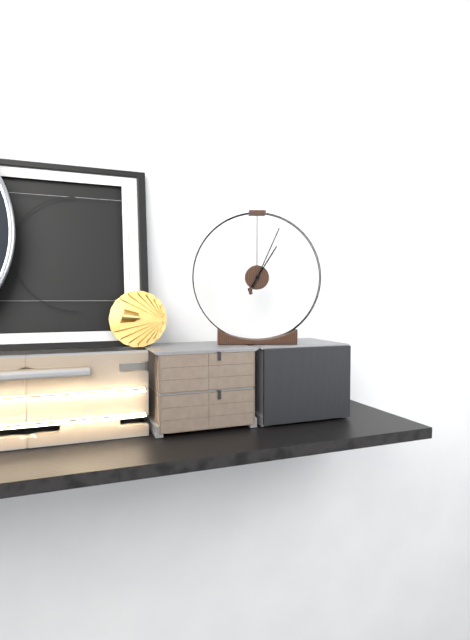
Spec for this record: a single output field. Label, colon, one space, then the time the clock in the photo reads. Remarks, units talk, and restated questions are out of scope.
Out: 1:04
